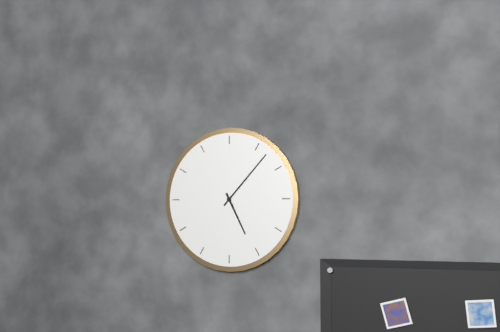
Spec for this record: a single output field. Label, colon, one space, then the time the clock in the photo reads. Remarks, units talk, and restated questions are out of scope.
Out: 5:07
